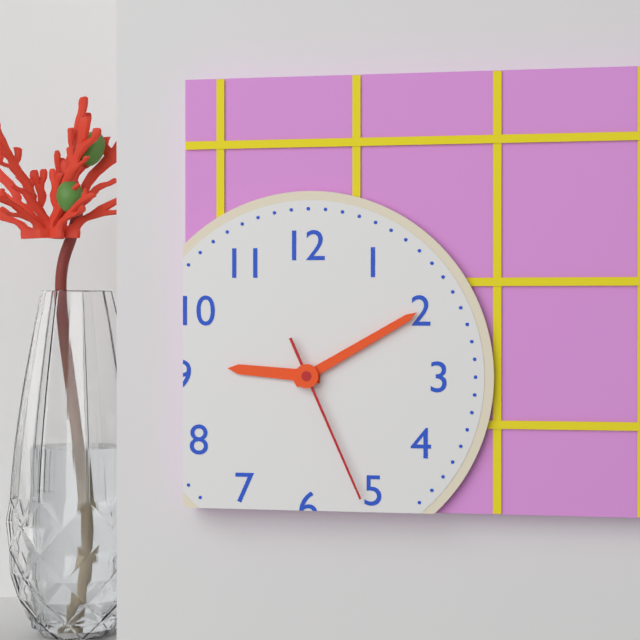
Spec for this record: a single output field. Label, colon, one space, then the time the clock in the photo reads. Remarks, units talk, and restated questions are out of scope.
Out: 9:10:26
